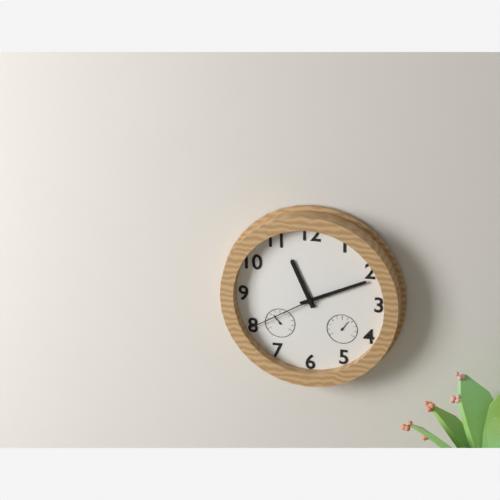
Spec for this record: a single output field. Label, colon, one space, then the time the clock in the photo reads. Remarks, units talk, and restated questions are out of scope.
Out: 11:11:40
